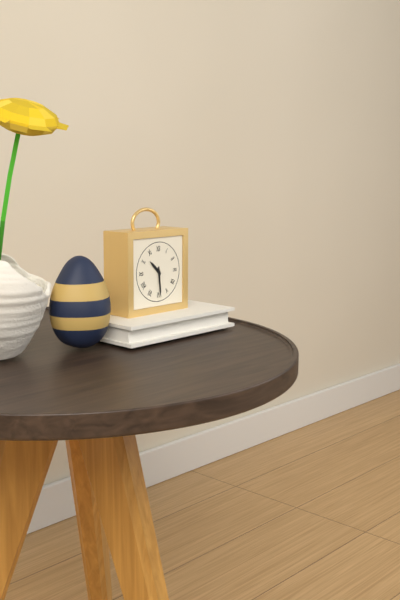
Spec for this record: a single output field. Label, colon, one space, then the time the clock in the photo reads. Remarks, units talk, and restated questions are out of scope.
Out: 10:29
